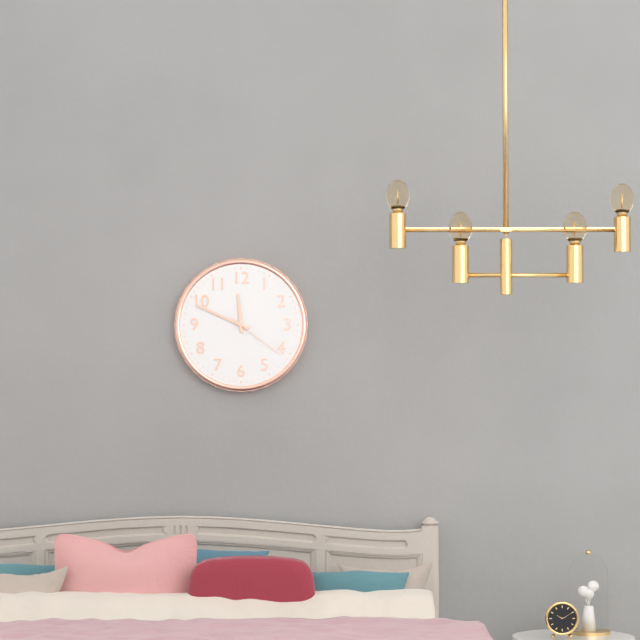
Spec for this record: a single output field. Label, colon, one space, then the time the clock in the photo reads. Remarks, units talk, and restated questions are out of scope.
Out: 11:49:21
